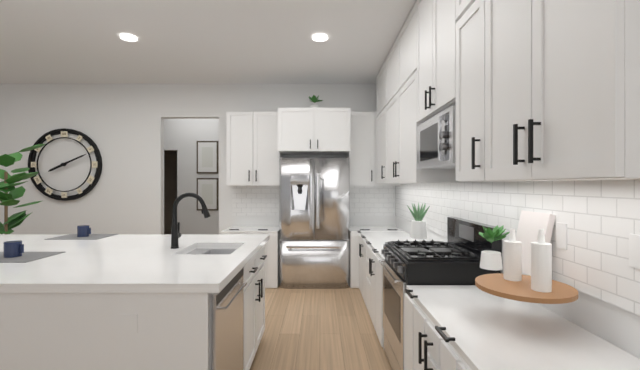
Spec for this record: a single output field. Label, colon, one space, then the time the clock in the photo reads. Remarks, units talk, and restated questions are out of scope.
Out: 8:11
